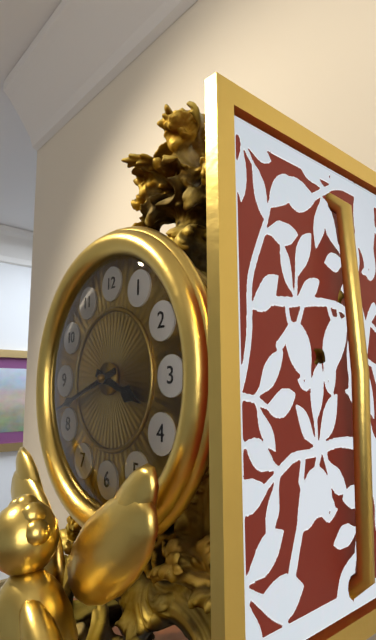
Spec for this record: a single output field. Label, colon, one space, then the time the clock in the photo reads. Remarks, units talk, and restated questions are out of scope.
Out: 3:42
